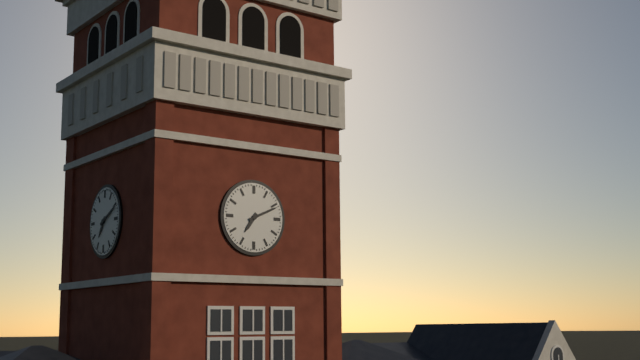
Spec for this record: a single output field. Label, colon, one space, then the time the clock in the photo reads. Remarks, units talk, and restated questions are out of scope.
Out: 7:11
